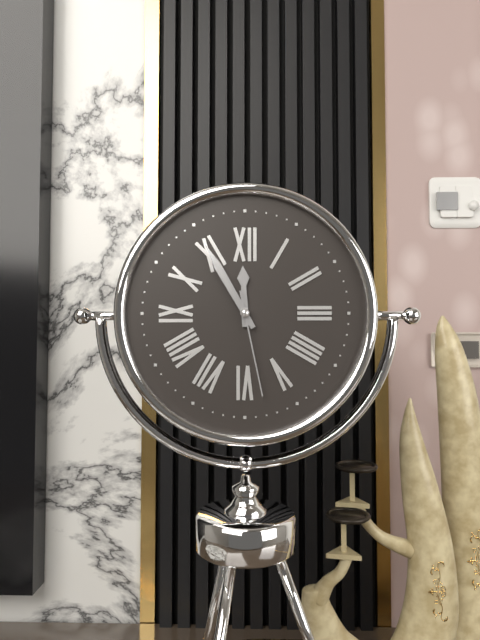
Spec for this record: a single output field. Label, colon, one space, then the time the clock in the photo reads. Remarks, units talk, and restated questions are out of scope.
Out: 11:55:28
